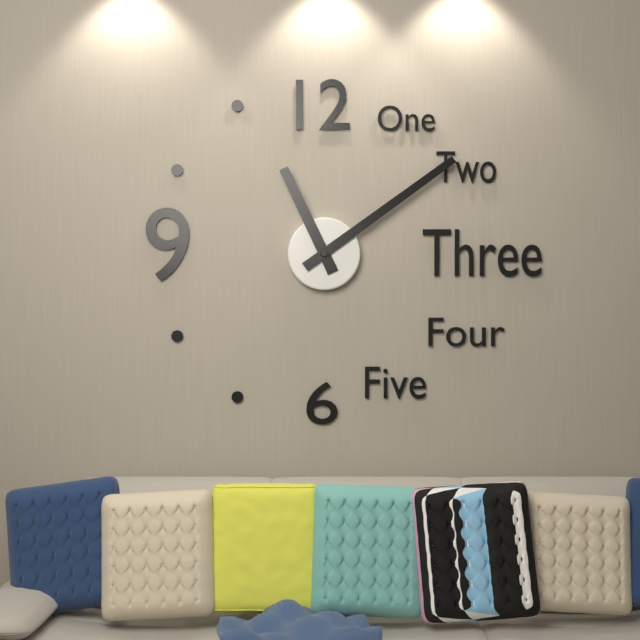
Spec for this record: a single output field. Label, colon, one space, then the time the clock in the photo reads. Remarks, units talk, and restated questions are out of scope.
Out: 11:09
